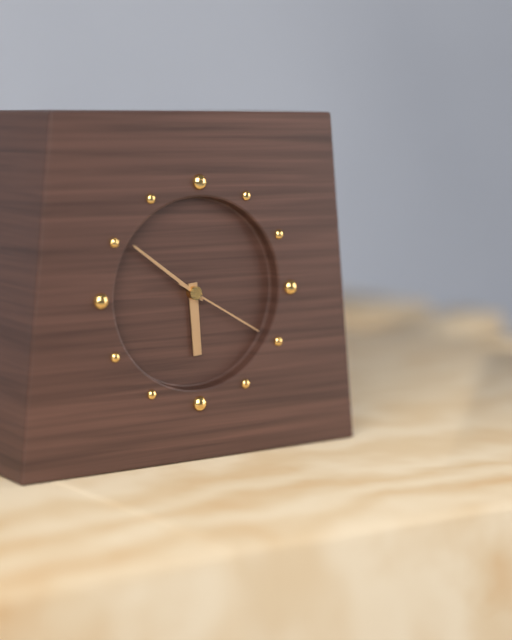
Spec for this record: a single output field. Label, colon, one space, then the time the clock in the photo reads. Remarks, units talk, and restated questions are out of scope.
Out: 5:51:20
